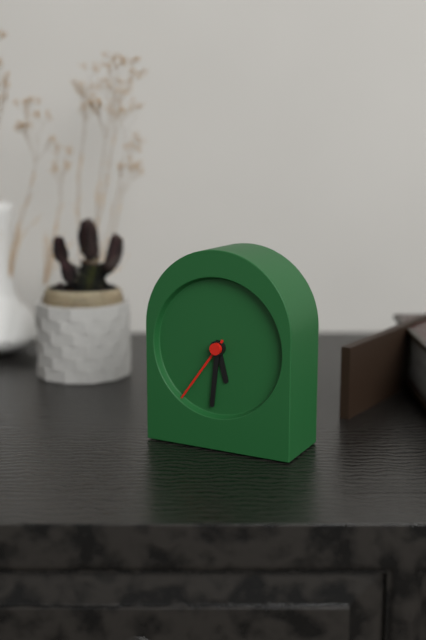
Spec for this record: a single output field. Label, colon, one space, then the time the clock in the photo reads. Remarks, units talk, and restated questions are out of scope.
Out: 5:31:36
